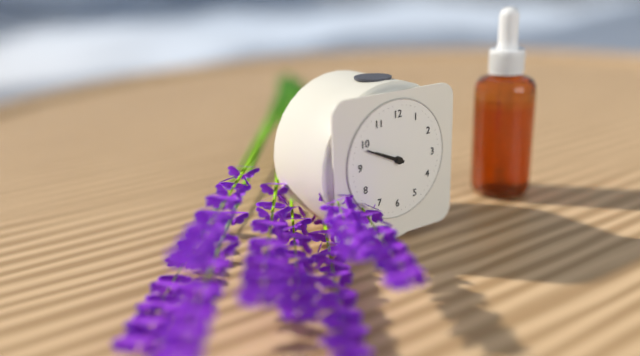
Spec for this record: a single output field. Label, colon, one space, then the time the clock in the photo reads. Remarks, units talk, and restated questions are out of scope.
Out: 9:49
